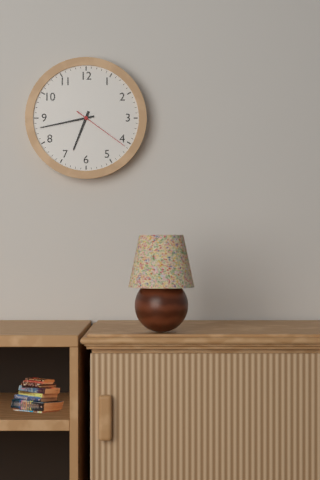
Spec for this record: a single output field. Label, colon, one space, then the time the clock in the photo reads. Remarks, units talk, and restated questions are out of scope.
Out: 6:43:21
